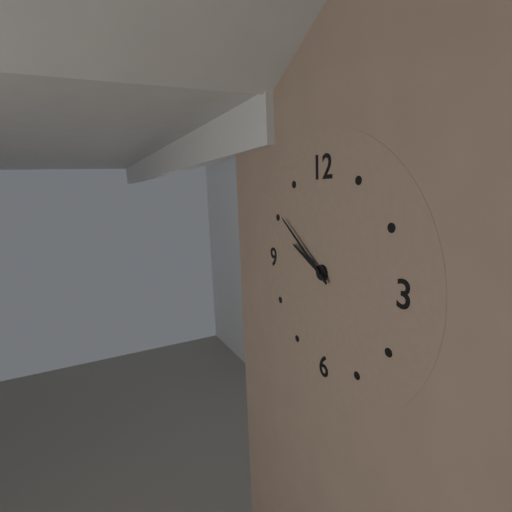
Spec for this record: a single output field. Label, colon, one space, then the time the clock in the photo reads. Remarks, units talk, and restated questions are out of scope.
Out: 9:51
